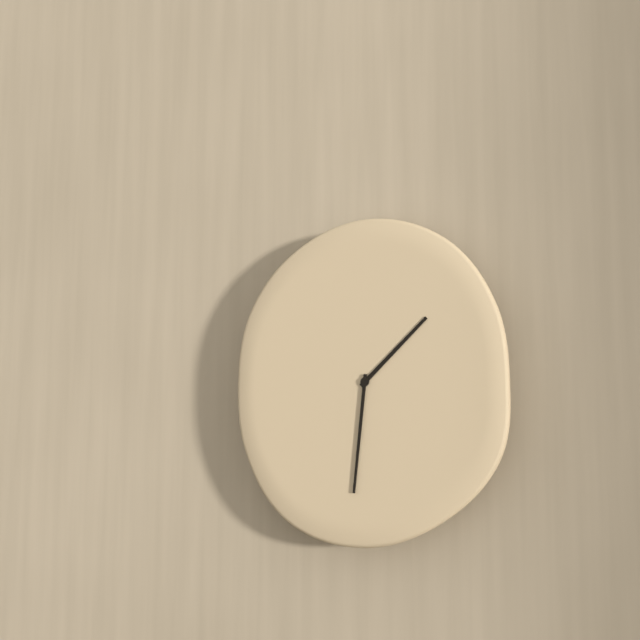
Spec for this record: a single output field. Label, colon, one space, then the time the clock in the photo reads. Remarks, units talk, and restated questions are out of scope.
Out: 1:31
